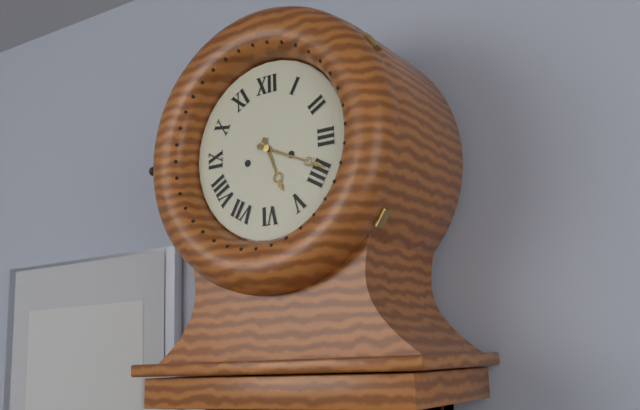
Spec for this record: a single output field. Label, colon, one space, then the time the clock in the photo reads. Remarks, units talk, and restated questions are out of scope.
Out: 5:19
